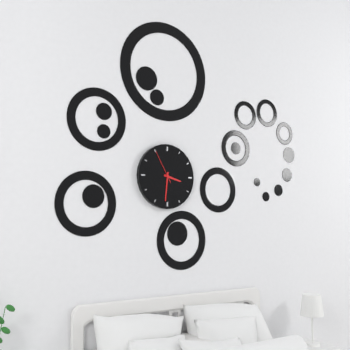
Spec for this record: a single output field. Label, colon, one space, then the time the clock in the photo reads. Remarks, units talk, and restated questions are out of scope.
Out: 3:31
